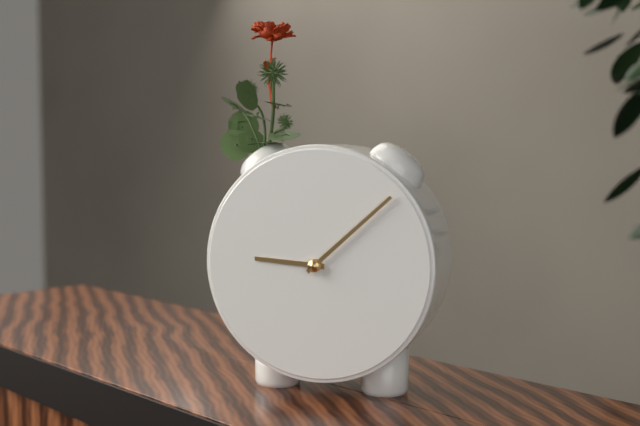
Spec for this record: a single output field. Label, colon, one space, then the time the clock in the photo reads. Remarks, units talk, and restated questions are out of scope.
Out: 9:08
